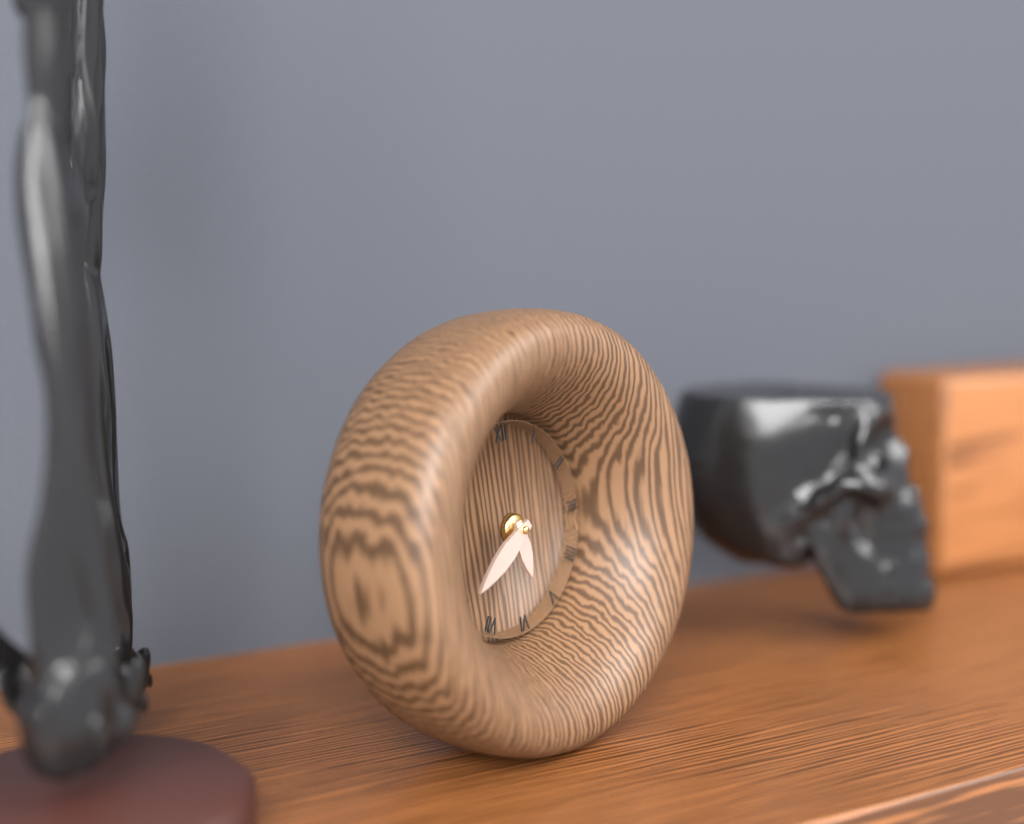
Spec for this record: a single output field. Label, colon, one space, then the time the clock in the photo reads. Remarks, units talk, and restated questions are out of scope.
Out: 5:40
